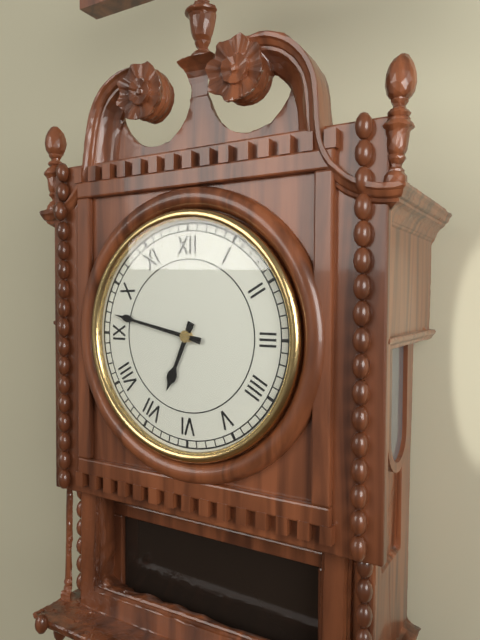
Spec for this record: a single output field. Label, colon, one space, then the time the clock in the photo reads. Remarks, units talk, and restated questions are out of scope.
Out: 6:47
